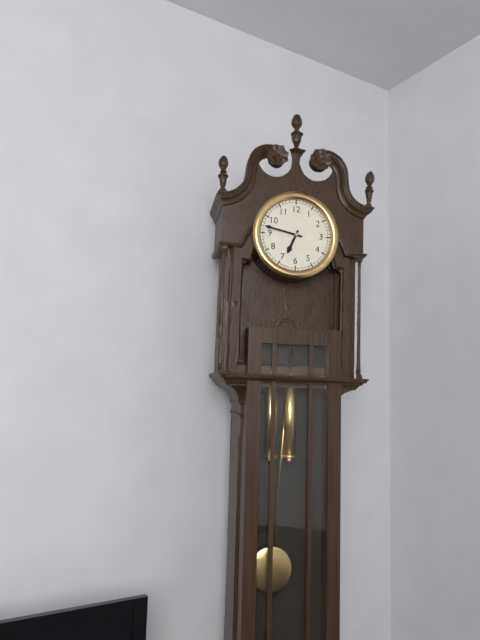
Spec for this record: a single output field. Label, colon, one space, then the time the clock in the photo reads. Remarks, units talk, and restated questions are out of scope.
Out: 6:47
